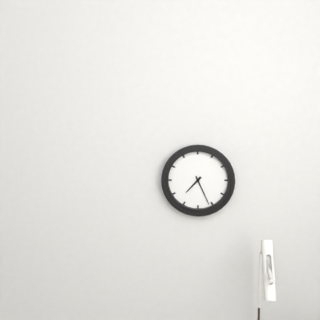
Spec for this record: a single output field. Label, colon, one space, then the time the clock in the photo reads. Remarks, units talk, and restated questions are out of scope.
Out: 7:26
